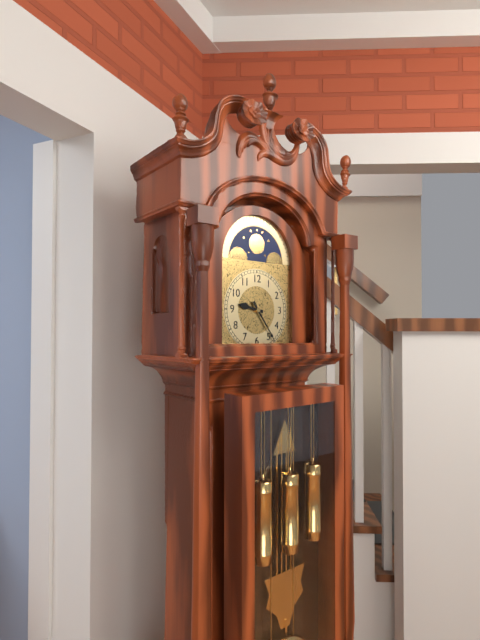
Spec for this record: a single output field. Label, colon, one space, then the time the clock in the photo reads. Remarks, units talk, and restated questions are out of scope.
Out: 9:24
